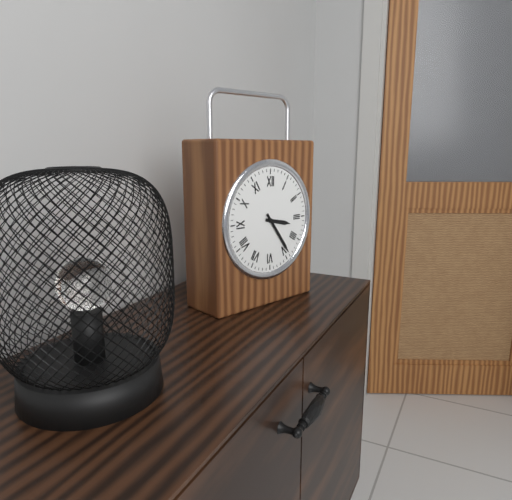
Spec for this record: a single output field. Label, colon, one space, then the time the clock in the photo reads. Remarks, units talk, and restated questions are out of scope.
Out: 3:24
